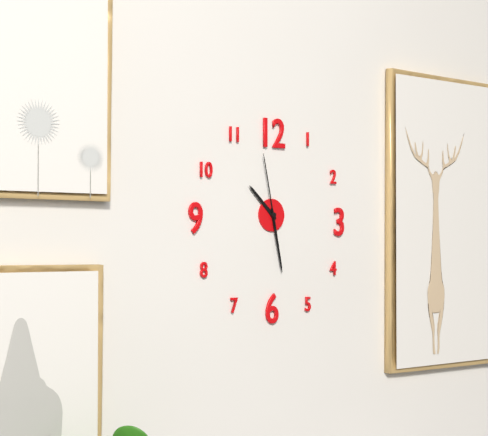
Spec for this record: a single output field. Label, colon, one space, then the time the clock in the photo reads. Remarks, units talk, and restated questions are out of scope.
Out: 10:28:58
